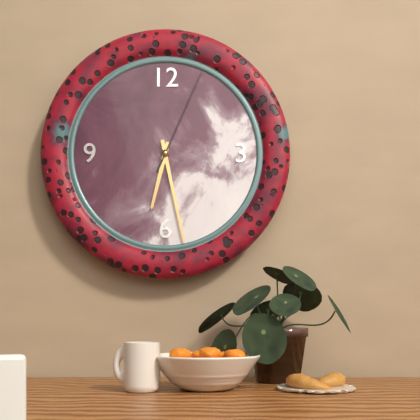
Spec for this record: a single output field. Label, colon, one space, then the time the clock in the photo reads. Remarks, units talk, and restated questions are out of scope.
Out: 6:28:04
